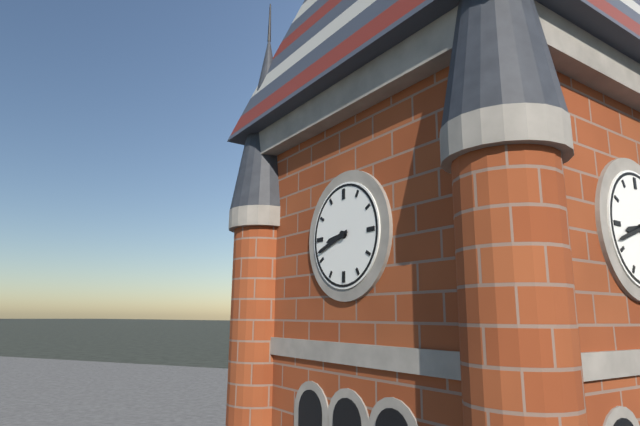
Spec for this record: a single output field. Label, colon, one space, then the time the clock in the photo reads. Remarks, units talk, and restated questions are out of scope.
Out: 8:42
